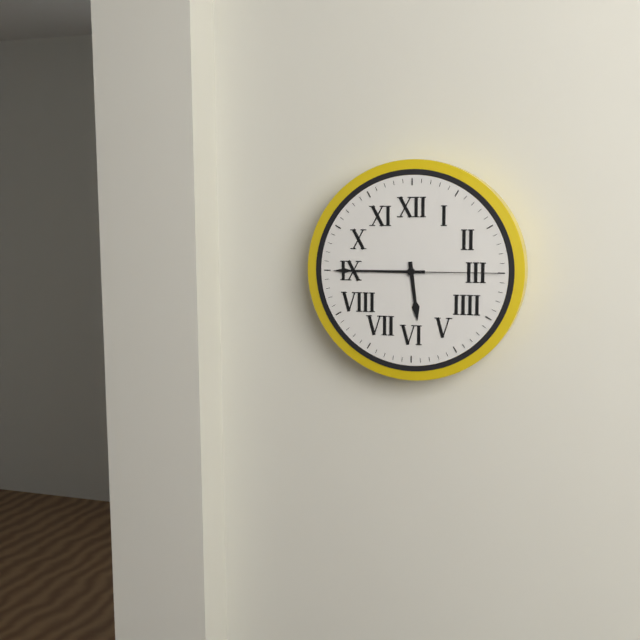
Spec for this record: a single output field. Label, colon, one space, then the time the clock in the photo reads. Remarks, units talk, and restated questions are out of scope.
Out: 5:45:15
